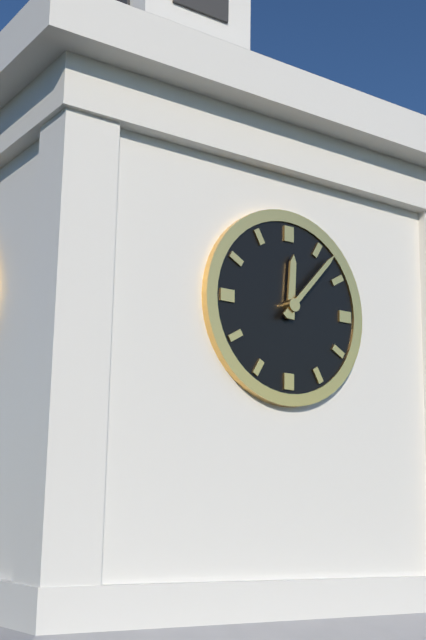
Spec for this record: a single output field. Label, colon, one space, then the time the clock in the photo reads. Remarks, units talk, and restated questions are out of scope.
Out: 12:07
